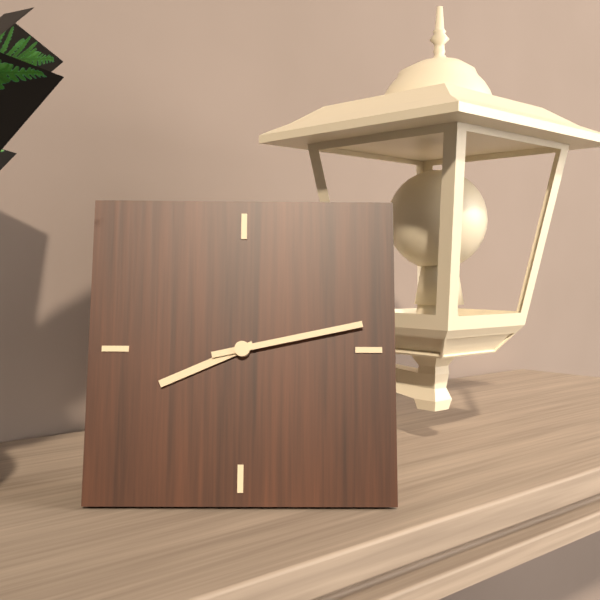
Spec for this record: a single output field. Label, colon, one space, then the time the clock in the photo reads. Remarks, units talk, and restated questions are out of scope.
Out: 8:13
